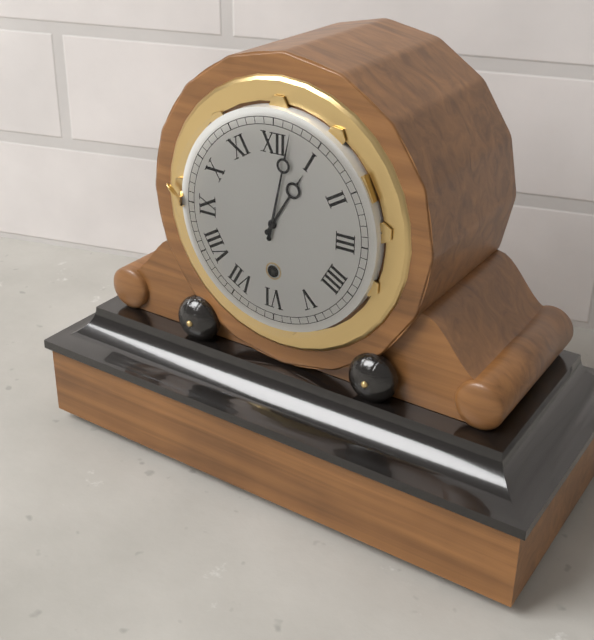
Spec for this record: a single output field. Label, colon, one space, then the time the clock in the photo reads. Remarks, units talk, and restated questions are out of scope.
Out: 1:02
